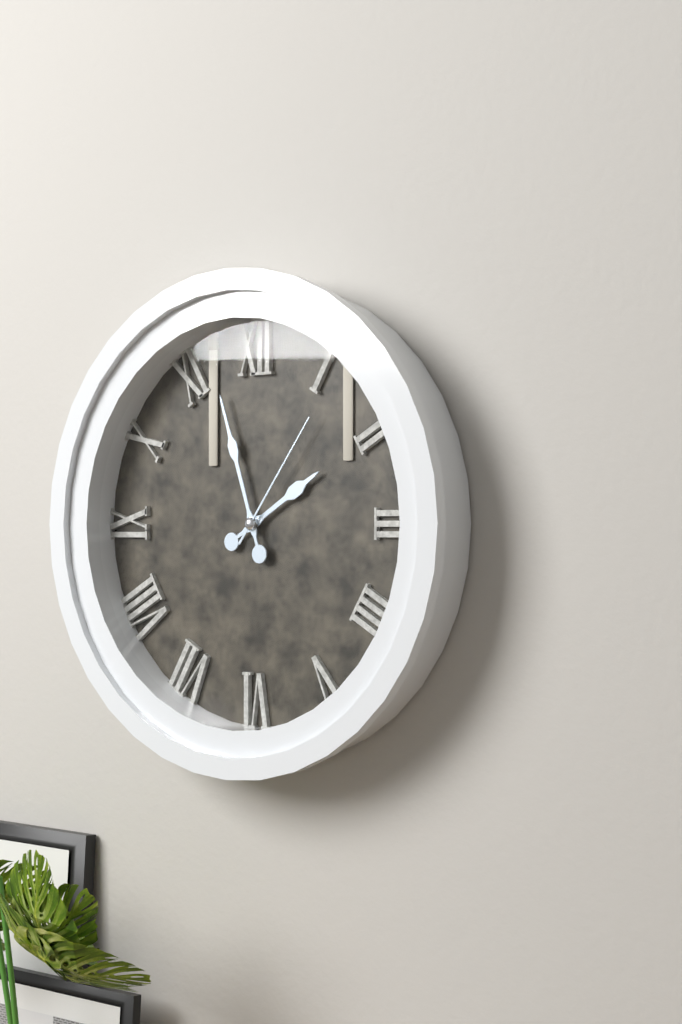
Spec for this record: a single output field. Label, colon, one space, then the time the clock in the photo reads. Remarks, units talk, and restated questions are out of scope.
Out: 1:57:06
